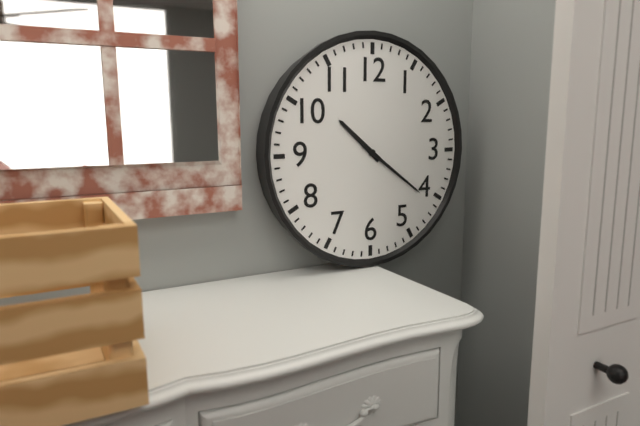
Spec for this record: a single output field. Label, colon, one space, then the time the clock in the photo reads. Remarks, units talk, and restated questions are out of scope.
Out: 10:21
